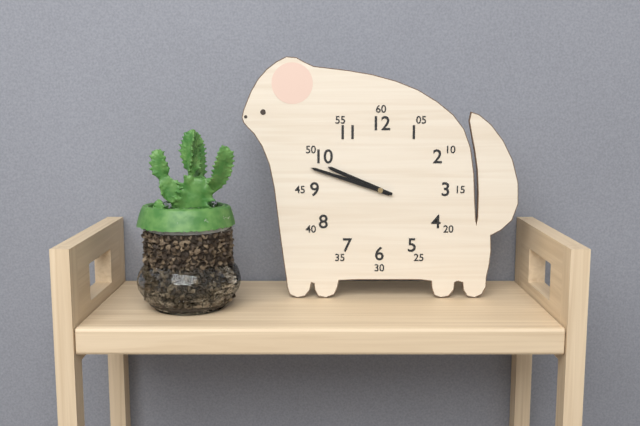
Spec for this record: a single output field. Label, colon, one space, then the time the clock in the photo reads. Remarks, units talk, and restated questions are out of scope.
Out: 9:48
